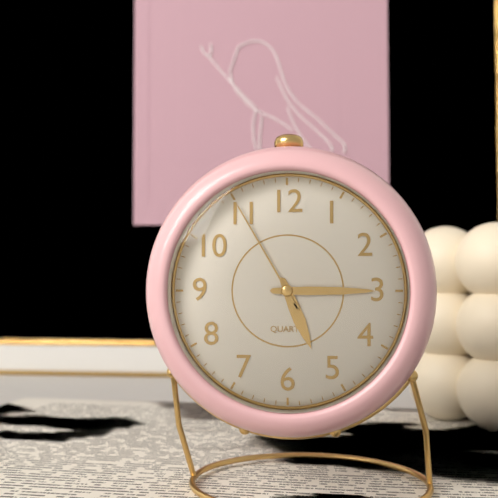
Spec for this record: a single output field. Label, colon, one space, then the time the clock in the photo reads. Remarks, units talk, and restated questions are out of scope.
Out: 5:15:55
